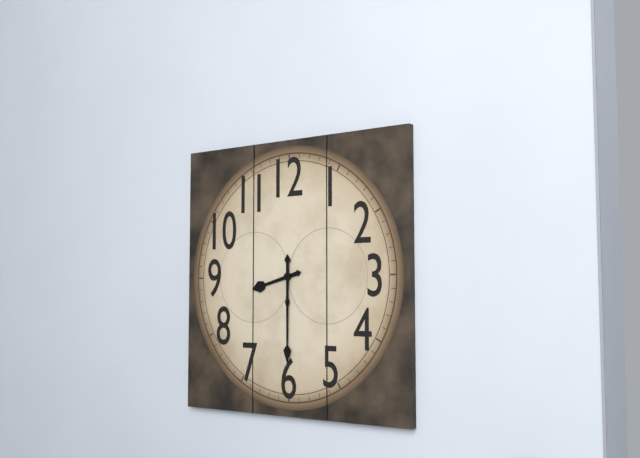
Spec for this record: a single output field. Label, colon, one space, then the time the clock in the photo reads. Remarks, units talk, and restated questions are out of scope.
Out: 8:30
